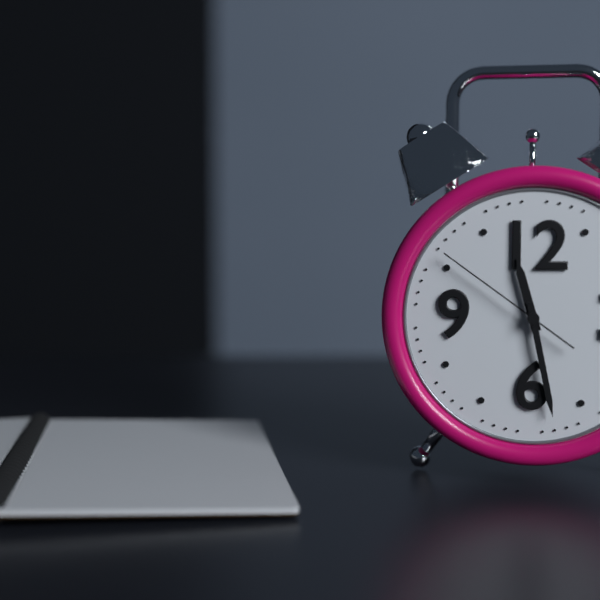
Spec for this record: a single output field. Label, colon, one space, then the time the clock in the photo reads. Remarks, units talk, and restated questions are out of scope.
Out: 11:28:51
